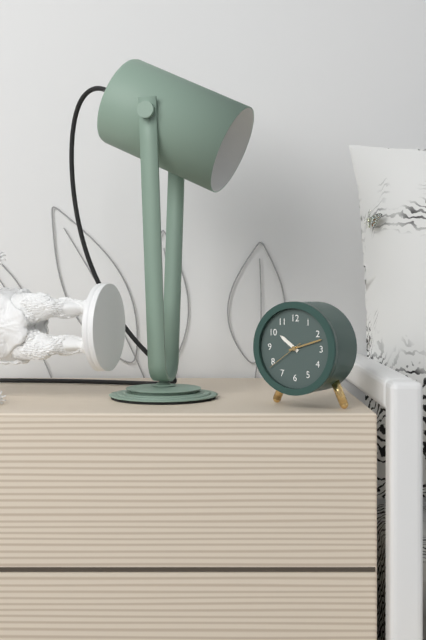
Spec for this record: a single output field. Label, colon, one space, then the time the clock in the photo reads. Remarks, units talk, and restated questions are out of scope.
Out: 10:12
